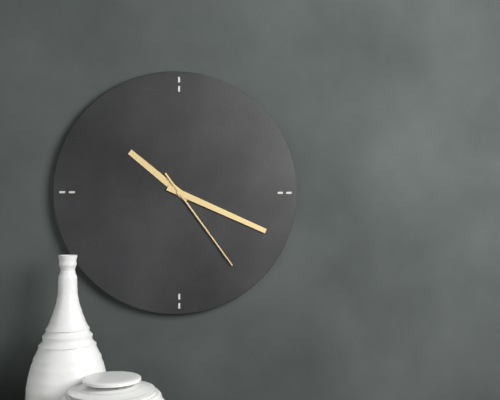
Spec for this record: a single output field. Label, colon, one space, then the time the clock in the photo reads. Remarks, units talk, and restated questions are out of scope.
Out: 10:19:24
